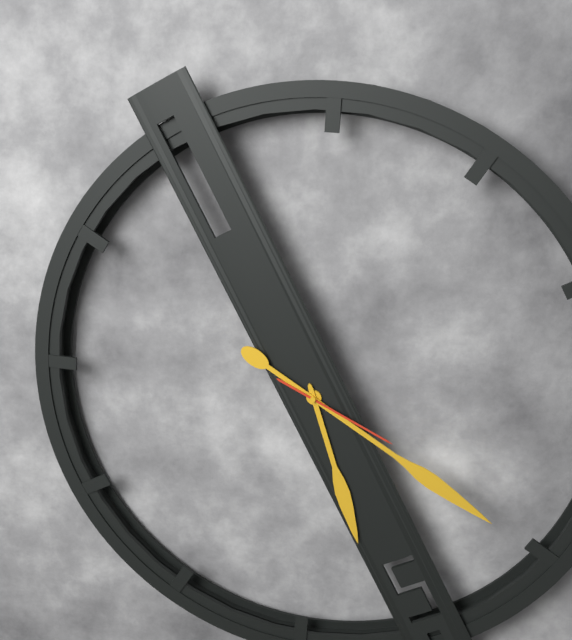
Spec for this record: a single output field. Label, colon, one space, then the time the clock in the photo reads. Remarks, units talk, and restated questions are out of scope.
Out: 5:20:19
